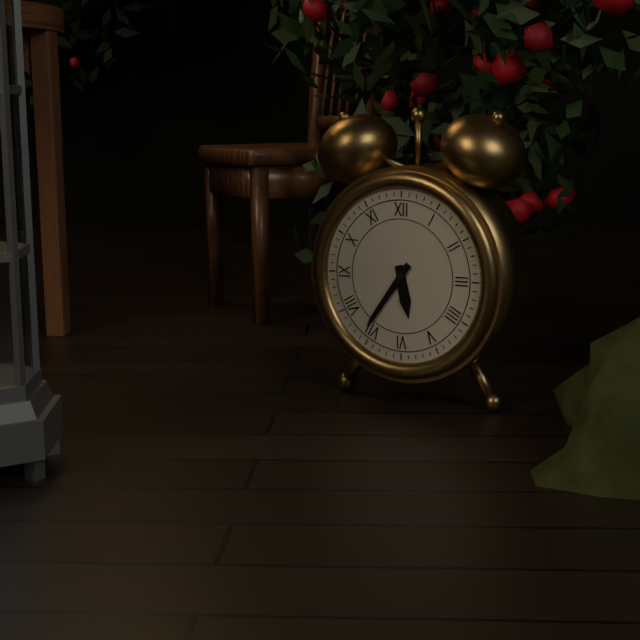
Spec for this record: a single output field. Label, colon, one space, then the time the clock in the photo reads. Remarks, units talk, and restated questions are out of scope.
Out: 5:36
